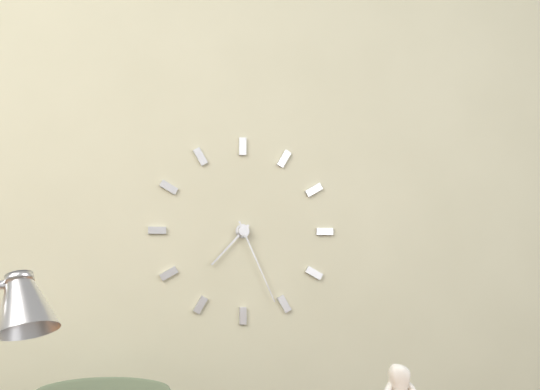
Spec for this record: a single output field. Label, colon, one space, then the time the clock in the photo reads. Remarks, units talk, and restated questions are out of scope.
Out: 7:26
